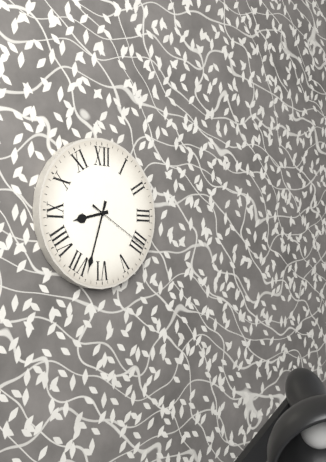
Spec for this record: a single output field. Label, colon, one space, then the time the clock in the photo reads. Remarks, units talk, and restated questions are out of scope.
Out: 8:33:20
